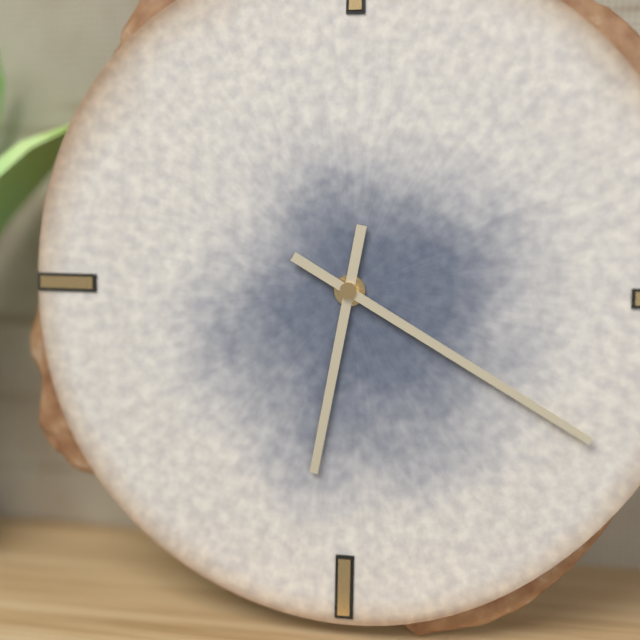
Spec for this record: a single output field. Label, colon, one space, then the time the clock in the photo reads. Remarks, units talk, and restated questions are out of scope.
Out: 6:20
